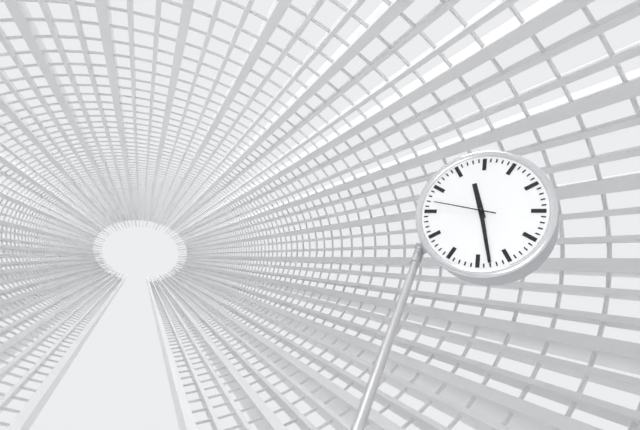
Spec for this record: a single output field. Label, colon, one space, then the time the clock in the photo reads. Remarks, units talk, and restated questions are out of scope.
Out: 11:28:47
